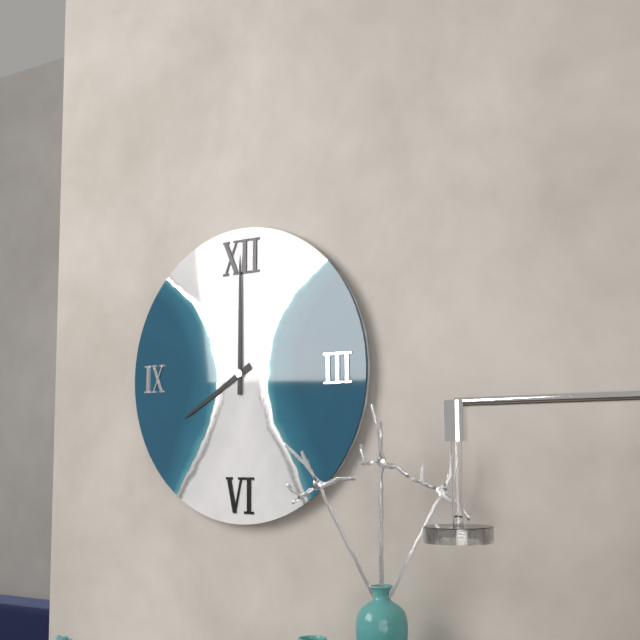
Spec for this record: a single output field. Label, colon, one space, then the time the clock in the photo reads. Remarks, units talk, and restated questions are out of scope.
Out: 8:00
